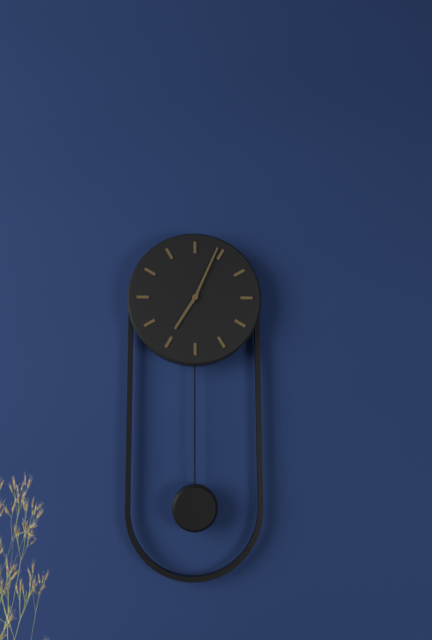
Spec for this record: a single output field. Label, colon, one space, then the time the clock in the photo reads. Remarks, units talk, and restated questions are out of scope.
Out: 7:04
